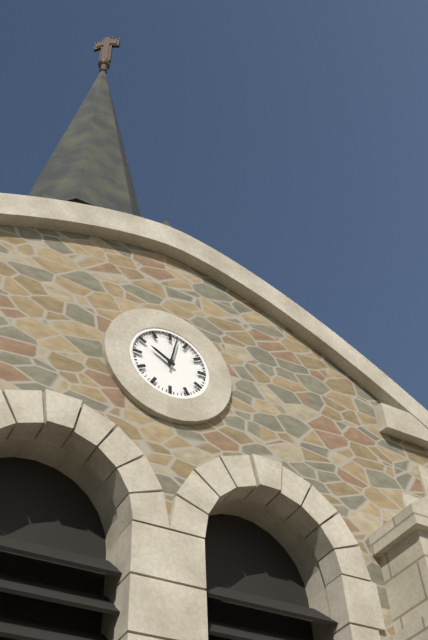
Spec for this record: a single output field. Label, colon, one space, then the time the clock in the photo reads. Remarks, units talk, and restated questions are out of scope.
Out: 10:02
